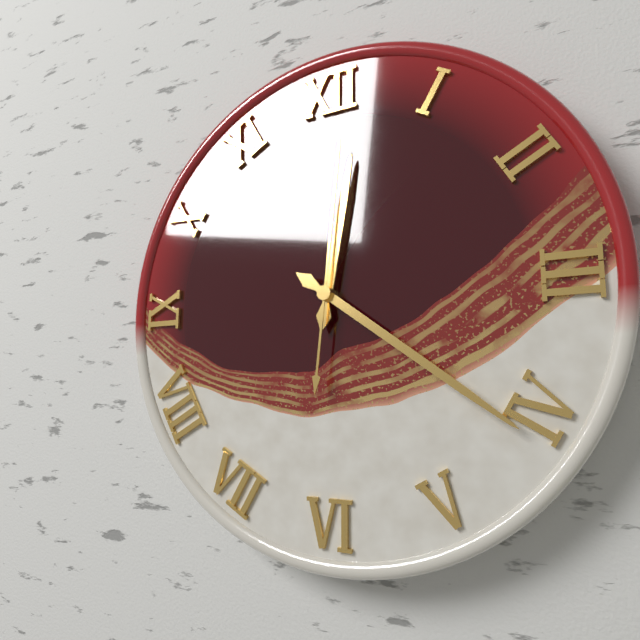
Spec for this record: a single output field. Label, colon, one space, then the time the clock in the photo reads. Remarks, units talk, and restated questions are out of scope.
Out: 12:21:01
